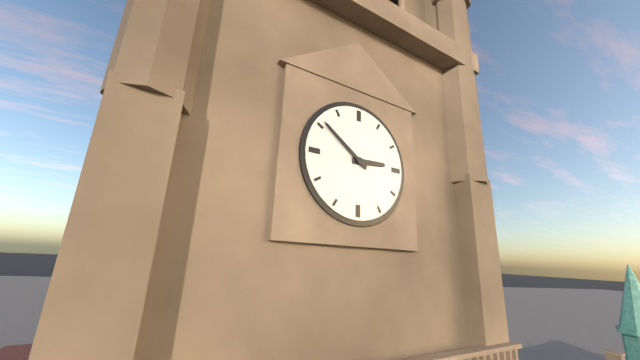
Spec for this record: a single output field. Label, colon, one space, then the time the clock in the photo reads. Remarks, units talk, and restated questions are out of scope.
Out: 2:51
